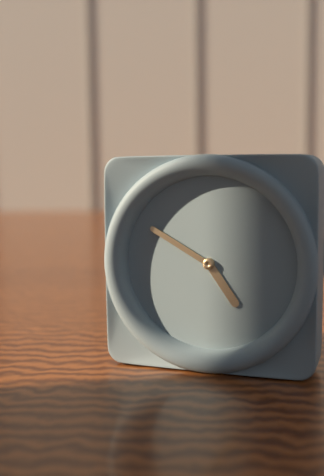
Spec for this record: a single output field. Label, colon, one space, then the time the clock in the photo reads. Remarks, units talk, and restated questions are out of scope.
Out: 4:50
